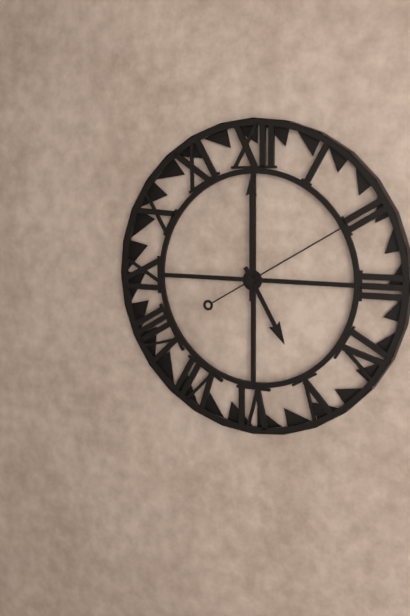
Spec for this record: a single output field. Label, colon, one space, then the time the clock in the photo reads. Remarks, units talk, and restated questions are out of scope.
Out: 5:00:10
